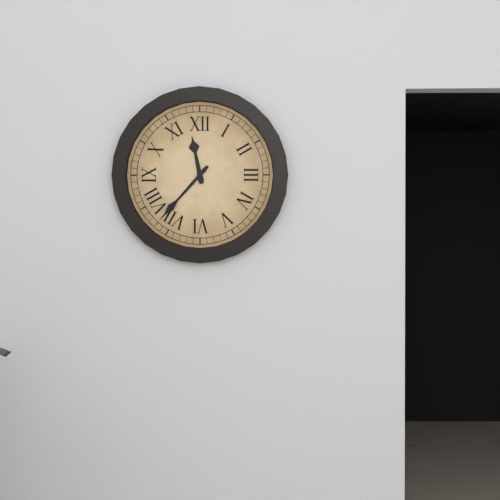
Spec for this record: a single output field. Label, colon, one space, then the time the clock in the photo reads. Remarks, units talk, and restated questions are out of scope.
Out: 11:37
